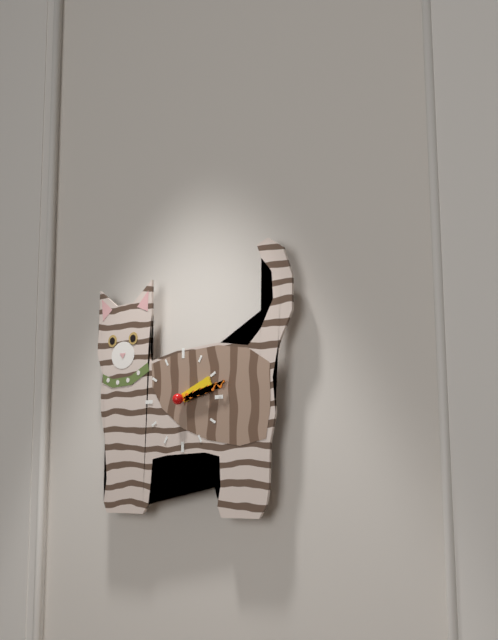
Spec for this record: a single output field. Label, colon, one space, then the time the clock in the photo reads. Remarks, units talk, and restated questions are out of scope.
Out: 2:13
